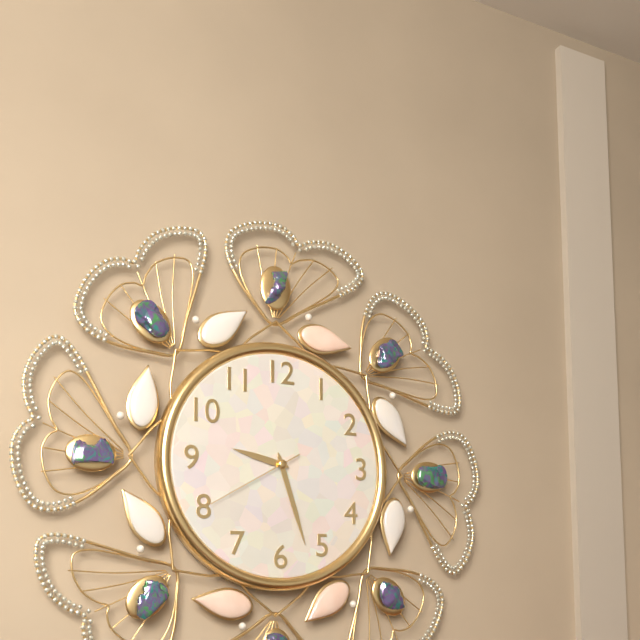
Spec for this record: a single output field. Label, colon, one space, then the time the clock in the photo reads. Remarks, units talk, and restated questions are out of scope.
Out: 9:27:40
